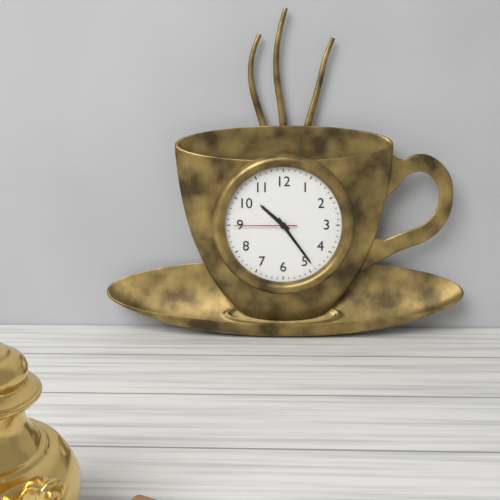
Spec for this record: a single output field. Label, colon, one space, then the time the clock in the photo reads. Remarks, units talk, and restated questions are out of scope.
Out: 10:24:45
